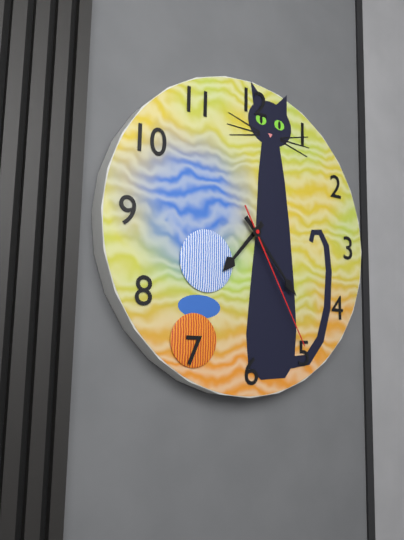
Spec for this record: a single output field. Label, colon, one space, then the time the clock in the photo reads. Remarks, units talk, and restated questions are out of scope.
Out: 7:23:25
